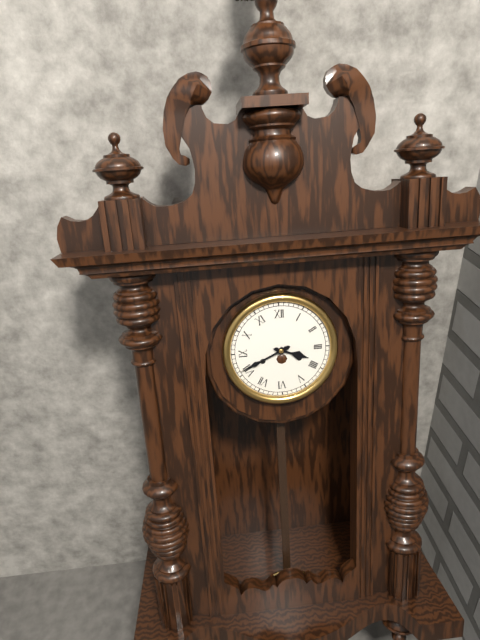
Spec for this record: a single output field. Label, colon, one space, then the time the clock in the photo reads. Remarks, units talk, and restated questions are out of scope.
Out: 3:41
